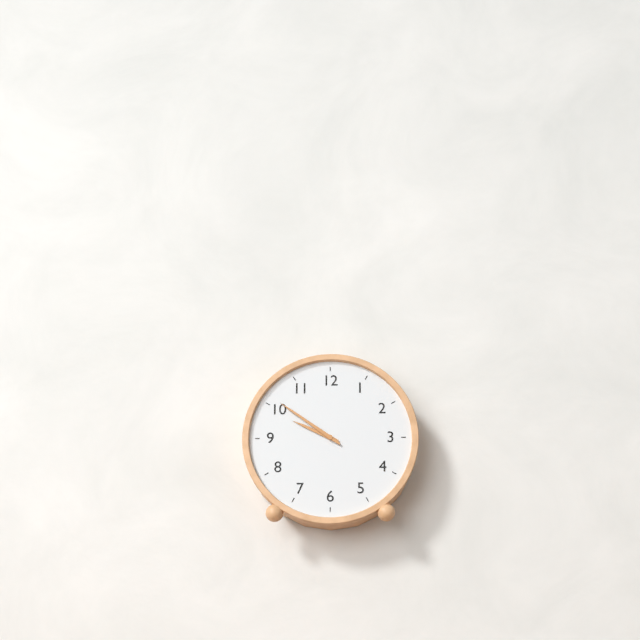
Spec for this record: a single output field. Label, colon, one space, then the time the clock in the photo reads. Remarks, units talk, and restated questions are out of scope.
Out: 9:51
